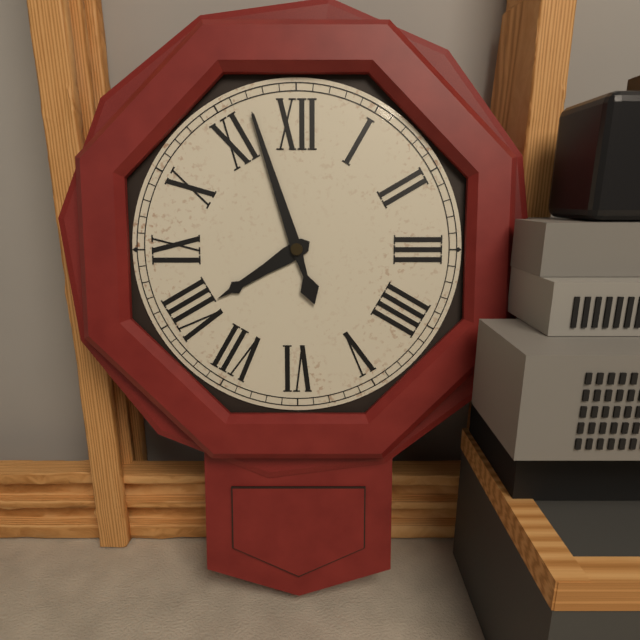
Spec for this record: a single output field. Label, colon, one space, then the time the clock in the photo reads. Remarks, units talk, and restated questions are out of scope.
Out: 7:57
